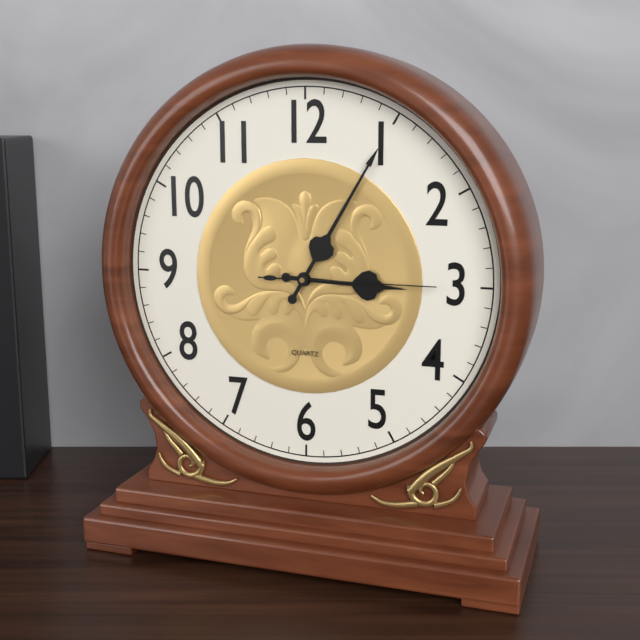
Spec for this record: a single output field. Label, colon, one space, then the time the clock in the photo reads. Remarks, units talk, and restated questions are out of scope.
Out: 3:05:15
